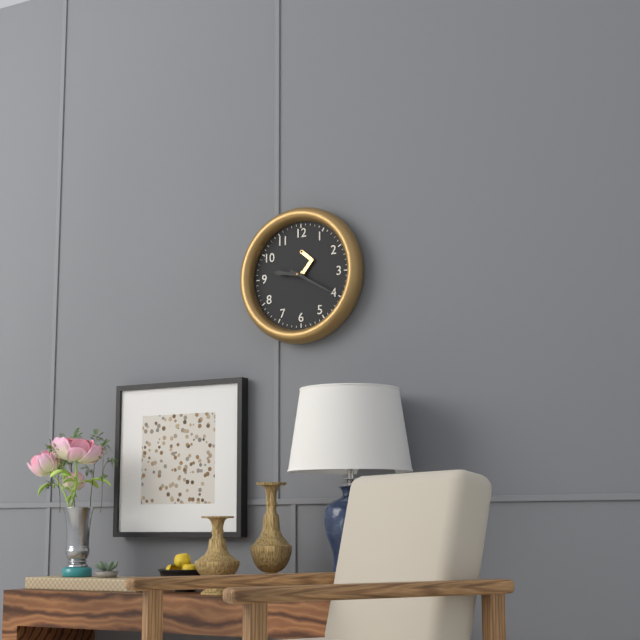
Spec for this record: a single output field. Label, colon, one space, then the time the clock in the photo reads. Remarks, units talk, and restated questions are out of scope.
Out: 9:20
